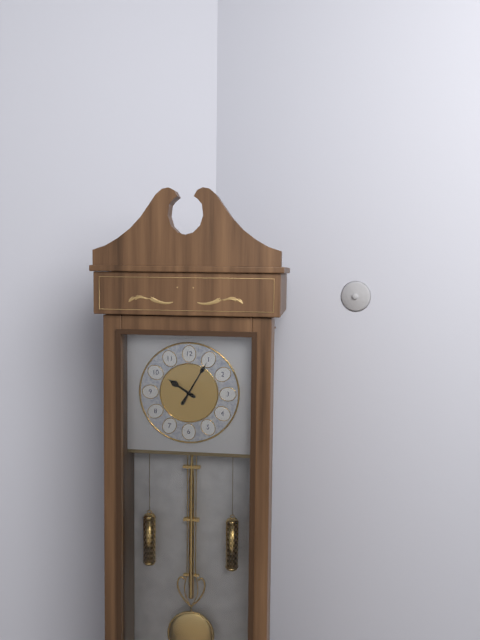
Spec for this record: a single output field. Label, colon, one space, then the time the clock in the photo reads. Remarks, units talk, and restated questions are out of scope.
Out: 10:05
